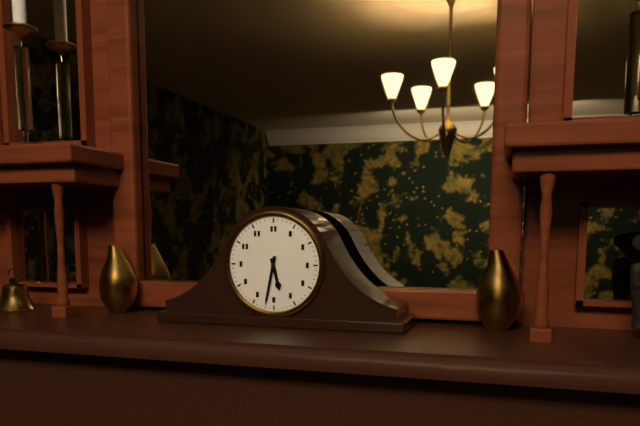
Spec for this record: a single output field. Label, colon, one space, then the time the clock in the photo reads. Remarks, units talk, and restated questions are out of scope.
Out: 5:32
